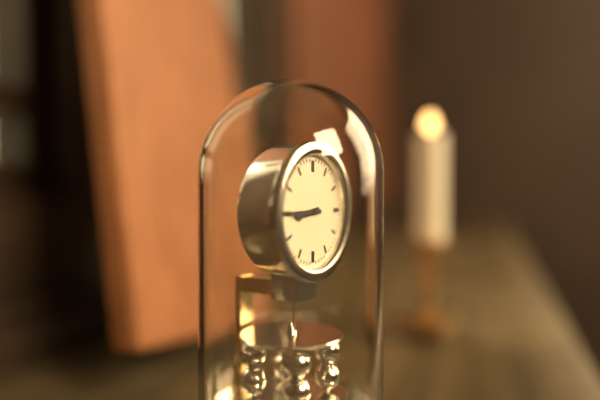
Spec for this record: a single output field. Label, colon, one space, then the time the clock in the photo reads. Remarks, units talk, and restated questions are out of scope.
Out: 8:45
